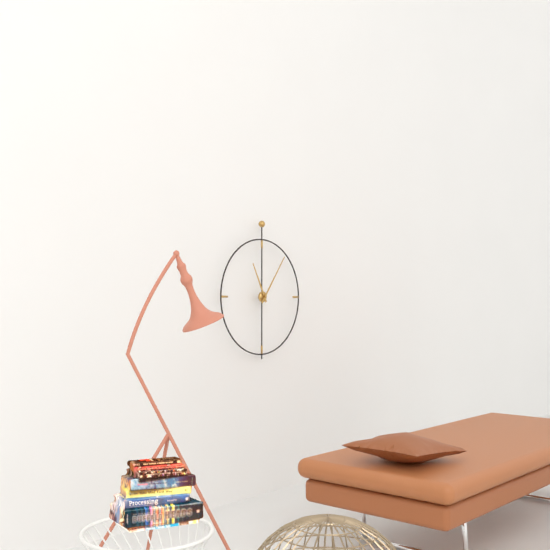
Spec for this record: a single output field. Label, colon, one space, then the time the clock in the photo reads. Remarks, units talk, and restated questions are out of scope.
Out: 11:06
